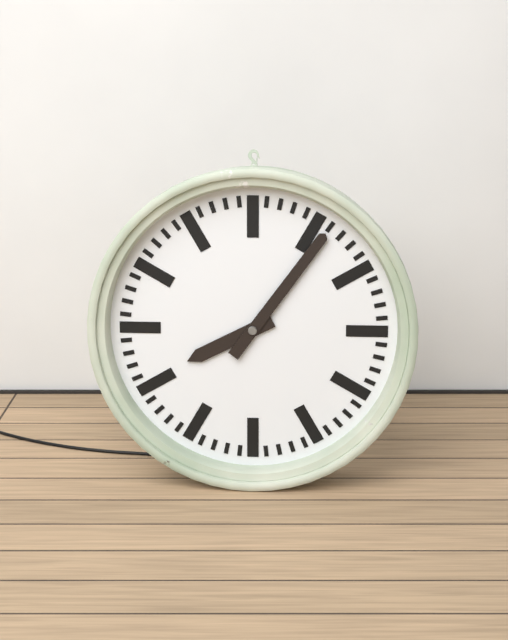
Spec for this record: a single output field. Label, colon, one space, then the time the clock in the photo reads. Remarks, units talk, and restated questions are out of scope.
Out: 8:06
